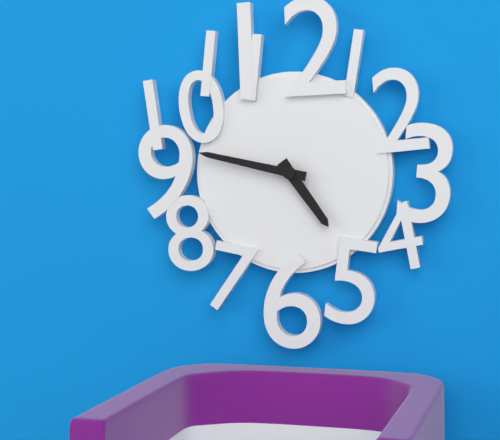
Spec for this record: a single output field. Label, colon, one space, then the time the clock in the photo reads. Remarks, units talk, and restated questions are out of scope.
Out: 4:47
